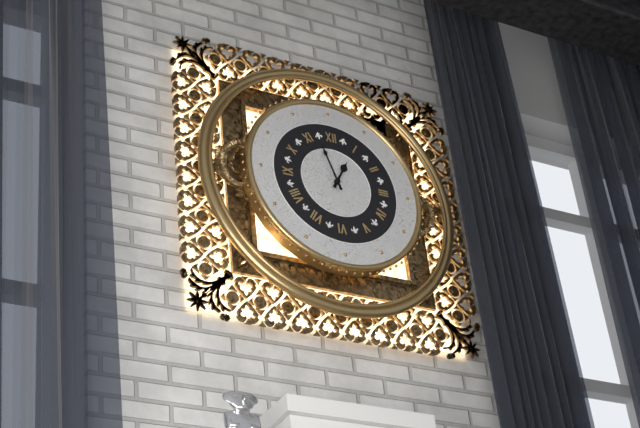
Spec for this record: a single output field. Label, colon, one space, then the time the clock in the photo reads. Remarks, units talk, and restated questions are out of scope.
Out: 12:57
